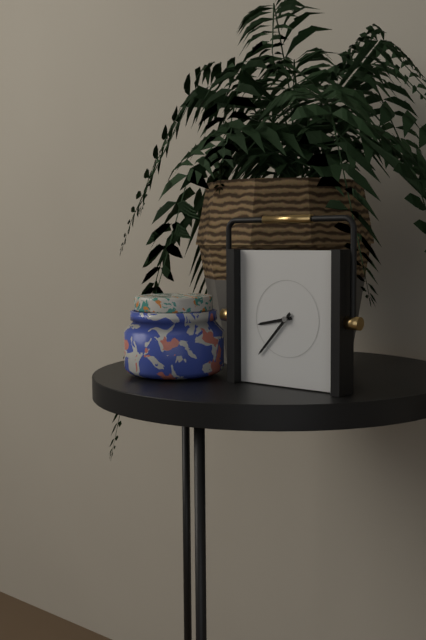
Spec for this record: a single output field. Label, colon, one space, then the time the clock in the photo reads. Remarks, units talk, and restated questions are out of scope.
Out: 8:37
